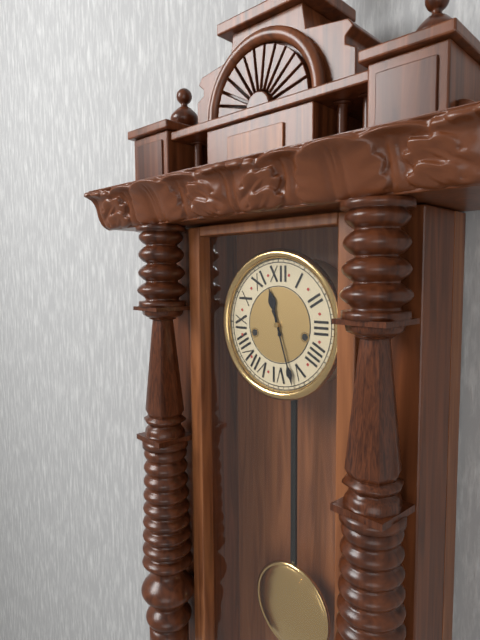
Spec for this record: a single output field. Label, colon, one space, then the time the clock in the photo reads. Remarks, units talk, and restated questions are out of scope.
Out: 11:27
